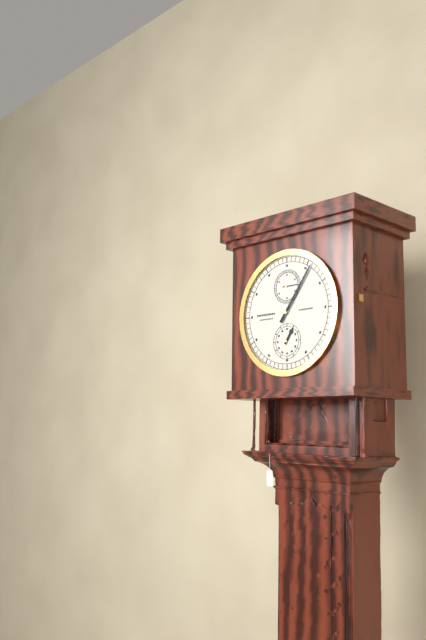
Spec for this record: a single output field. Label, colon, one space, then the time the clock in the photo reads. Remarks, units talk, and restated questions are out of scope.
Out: 1:06
